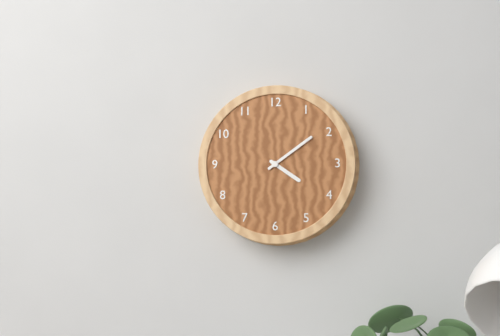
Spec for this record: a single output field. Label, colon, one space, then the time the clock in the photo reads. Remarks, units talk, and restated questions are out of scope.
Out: 4:09
